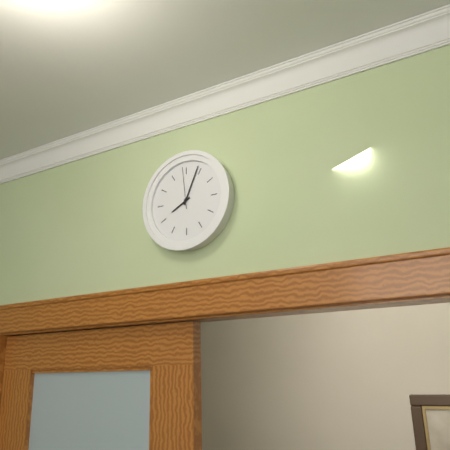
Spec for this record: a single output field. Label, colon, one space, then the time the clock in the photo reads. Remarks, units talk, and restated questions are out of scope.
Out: 8:04
